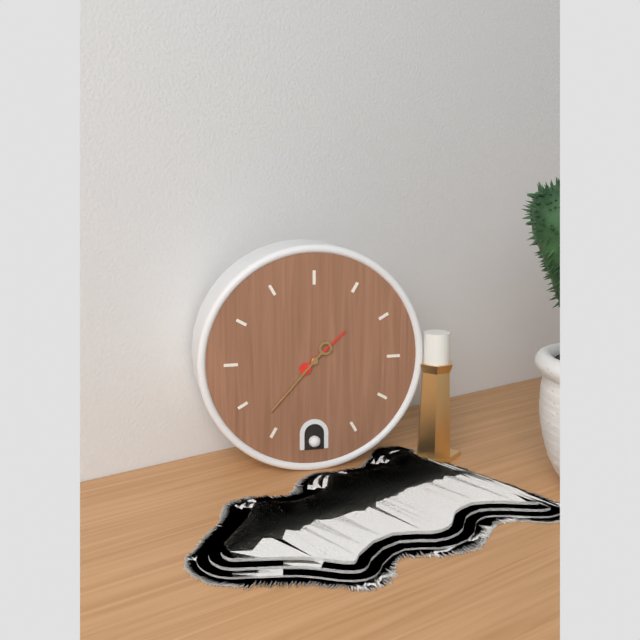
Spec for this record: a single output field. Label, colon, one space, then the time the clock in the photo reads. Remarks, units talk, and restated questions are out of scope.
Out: 1:37
